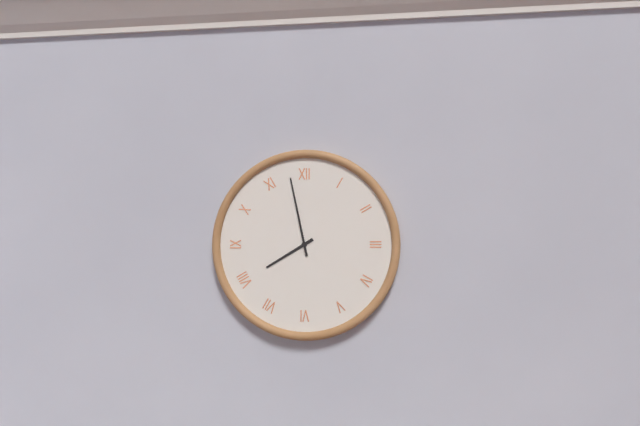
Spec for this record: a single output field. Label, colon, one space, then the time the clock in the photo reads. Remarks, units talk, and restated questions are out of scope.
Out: 7:58
